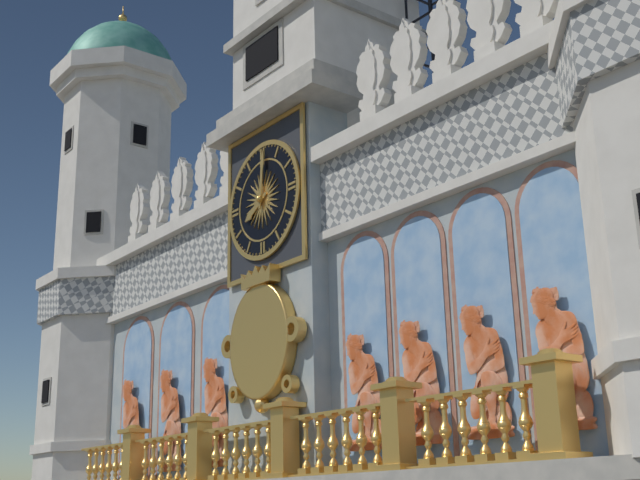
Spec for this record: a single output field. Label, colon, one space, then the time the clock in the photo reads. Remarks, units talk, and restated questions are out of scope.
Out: 8:01
